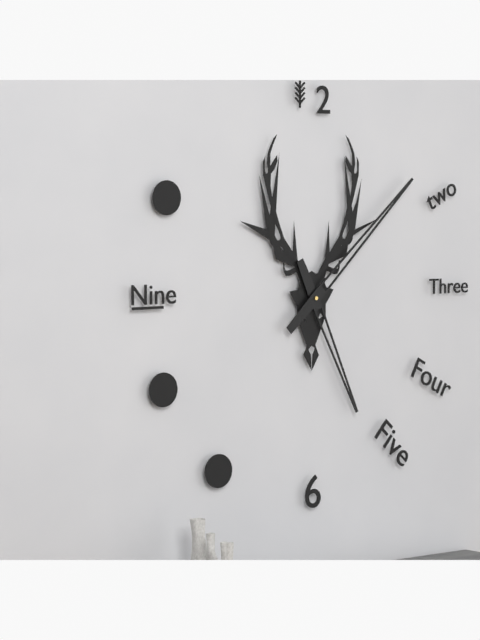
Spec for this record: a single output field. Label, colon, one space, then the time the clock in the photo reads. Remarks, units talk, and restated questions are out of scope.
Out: 5:08
